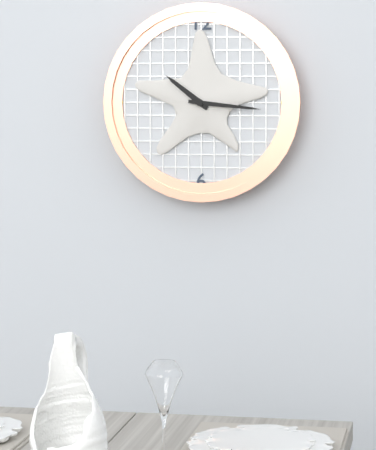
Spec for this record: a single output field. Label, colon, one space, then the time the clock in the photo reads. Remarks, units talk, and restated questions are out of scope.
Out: 10:16
